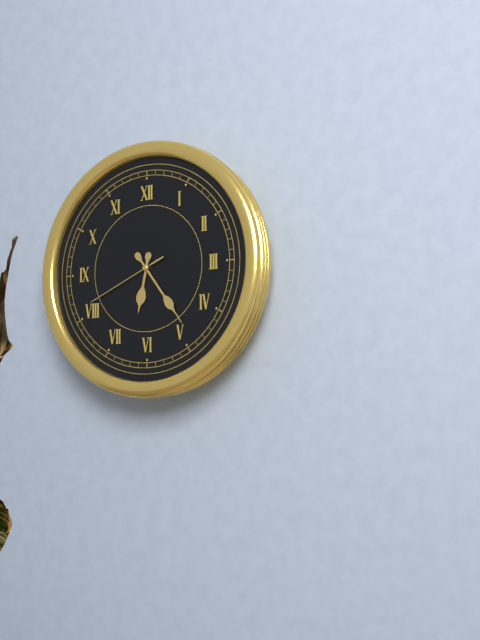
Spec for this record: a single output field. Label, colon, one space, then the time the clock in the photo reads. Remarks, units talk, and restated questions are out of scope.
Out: 6:24:41
